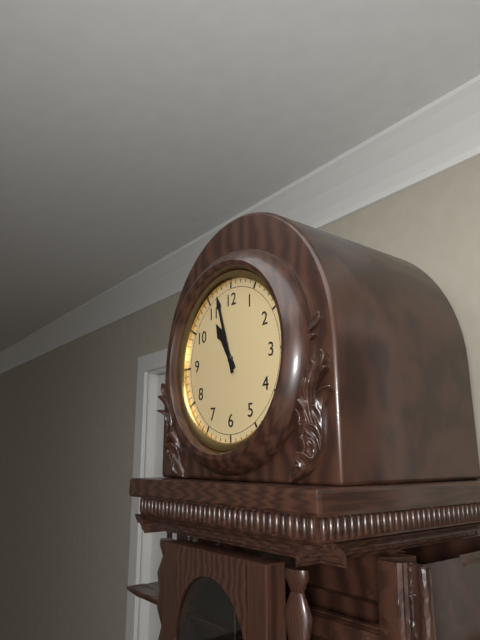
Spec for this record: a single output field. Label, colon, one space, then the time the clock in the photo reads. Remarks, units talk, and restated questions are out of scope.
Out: 10:57
